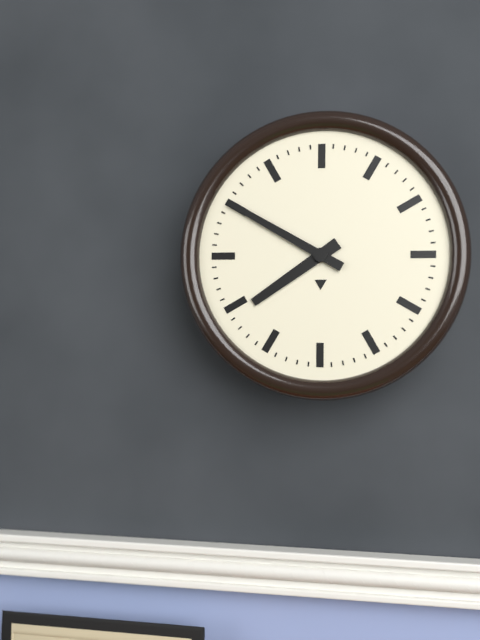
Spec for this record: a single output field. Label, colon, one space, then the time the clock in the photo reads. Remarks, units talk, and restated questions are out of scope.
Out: 7:50
